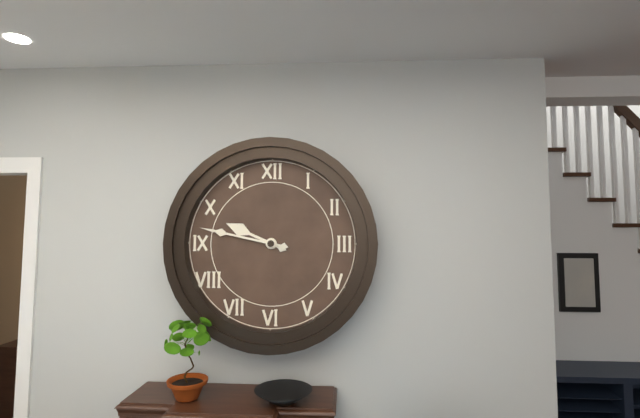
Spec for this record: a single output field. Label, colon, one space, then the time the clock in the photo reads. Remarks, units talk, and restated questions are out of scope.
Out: 9:47
